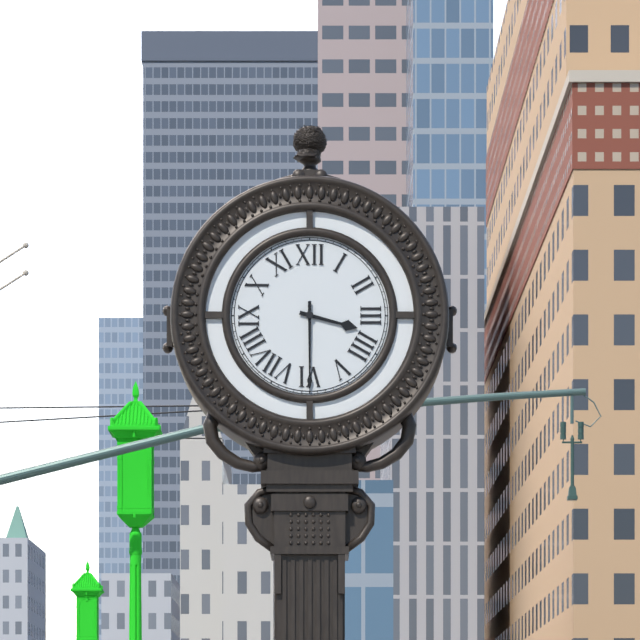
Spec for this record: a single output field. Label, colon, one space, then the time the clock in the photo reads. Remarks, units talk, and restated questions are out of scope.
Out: 3:30
